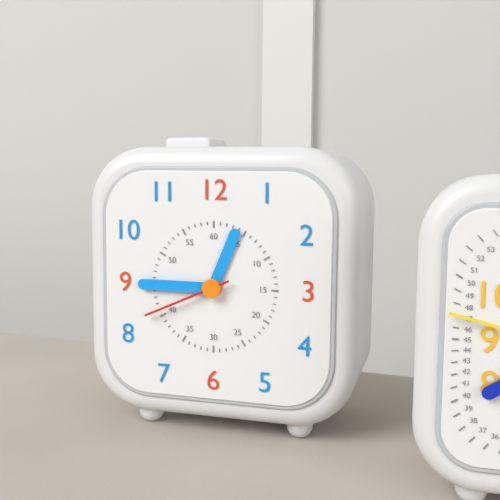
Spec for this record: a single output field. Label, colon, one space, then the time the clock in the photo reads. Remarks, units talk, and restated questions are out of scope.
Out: 12:45:41
